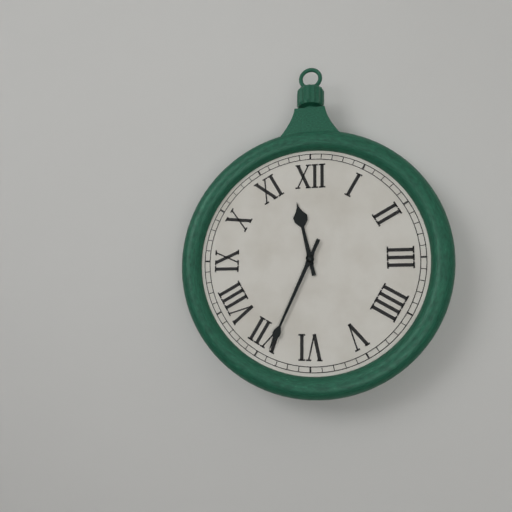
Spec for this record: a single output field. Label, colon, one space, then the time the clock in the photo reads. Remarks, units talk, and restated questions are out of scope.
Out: 11:34
